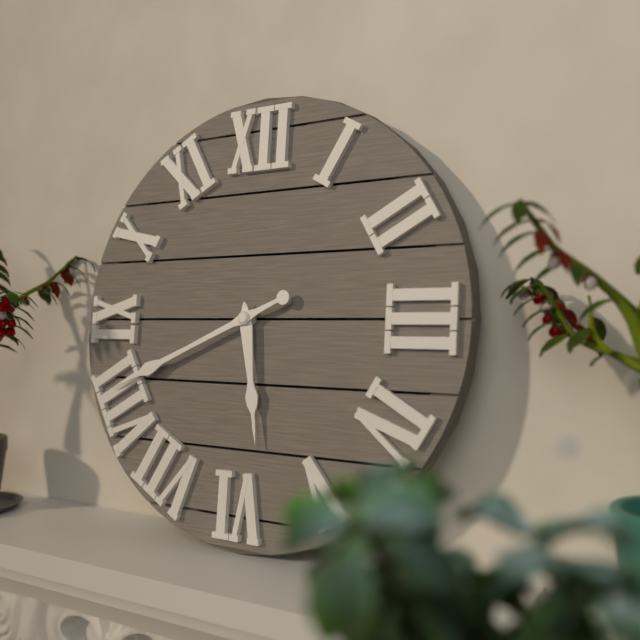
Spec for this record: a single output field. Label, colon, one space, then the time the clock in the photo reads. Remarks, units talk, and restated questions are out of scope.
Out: 5:41
